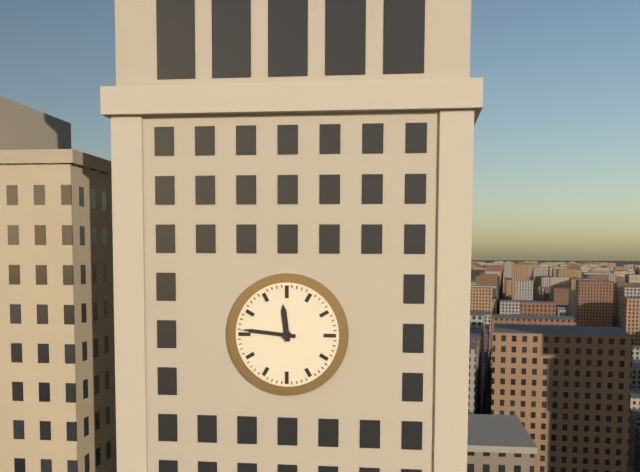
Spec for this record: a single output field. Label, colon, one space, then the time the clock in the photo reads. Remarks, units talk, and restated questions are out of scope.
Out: 11:46
